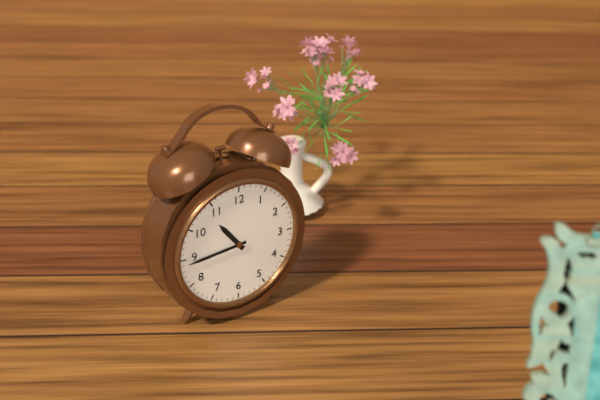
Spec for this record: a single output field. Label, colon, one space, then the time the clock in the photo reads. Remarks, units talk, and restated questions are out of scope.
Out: 10:44
